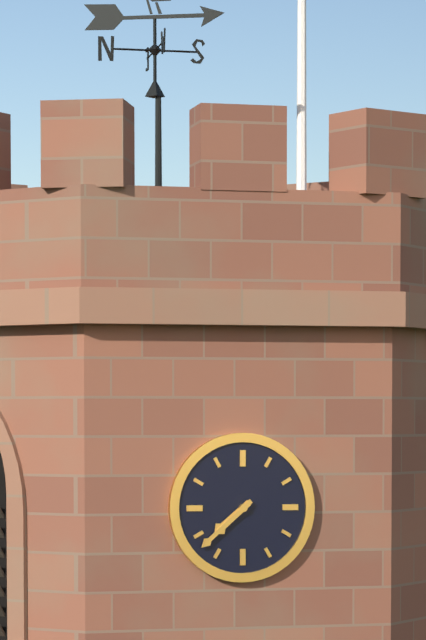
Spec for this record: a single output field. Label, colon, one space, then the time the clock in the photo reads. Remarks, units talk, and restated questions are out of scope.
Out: 7:38
